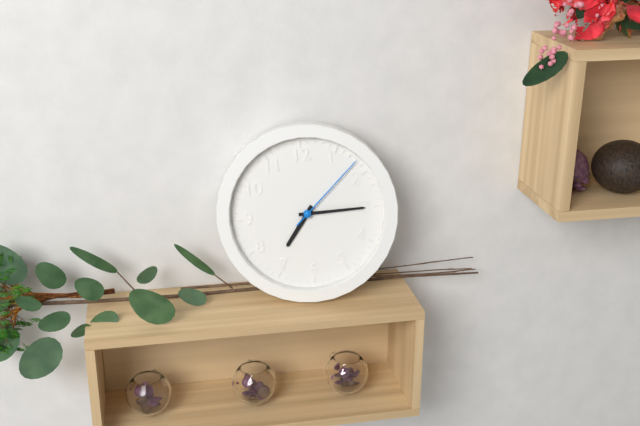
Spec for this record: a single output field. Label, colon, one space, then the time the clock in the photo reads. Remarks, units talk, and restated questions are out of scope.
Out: 7:15:08
